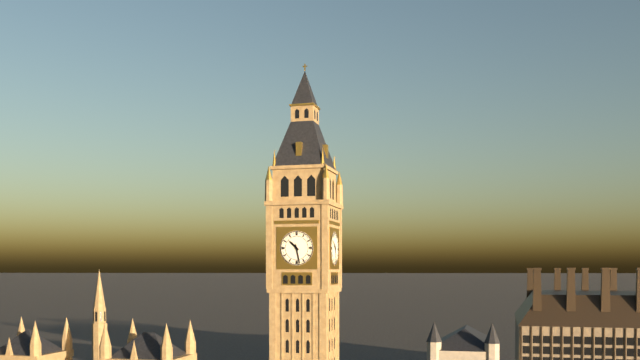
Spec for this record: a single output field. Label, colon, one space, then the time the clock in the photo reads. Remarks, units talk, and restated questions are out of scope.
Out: 10:28
